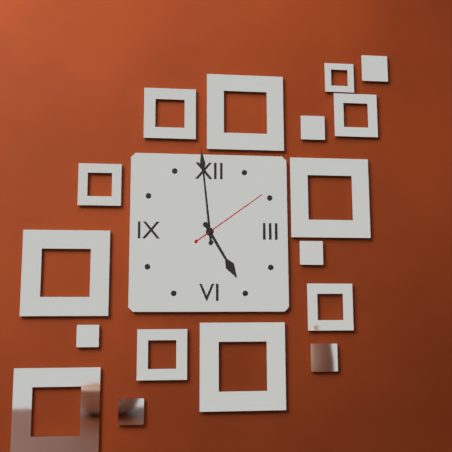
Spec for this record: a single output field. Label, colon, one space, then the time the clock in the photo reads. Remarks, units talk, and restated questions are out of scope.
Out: 4:59:09
